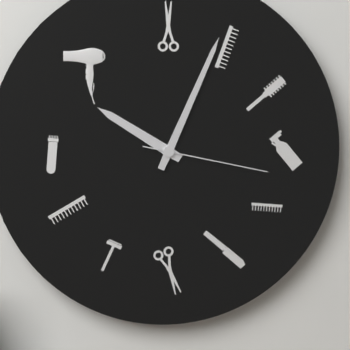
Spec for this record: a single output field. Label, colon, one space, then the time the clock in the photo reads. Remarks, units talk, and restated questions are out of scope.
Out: 10:04:17
